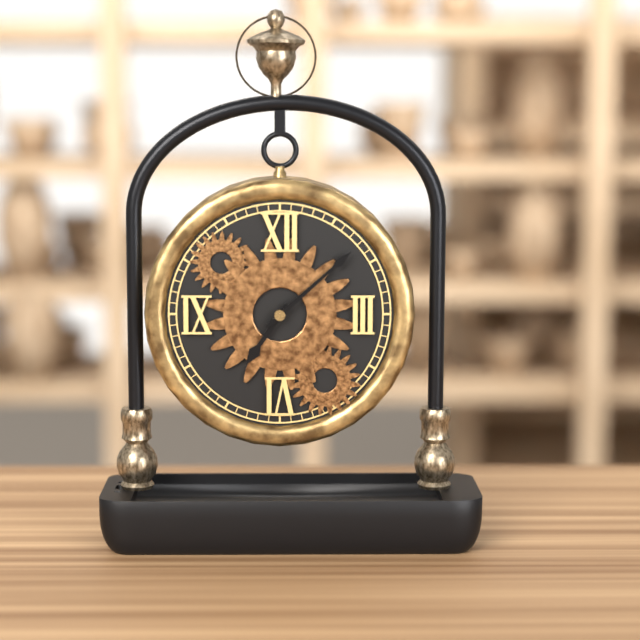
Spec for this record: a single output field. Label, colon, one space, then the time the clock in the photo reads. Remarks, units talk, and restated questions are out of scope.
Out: 7:08
